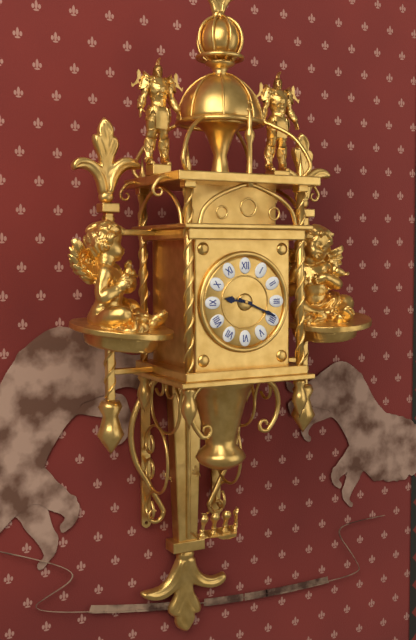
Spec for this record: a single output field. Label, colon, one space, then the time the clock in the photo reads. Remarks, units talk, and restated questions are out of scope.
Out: 9:19
